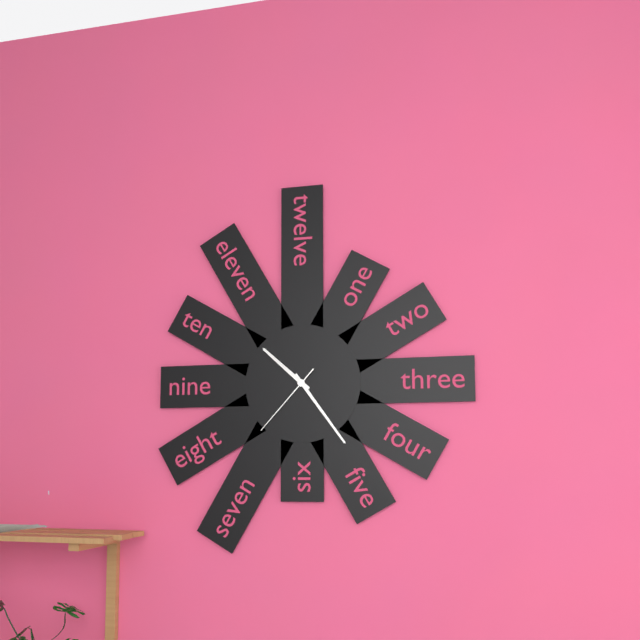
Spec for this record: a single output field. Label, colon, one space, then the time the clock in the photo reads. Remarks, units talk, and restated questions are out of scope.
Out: 10:24:37
